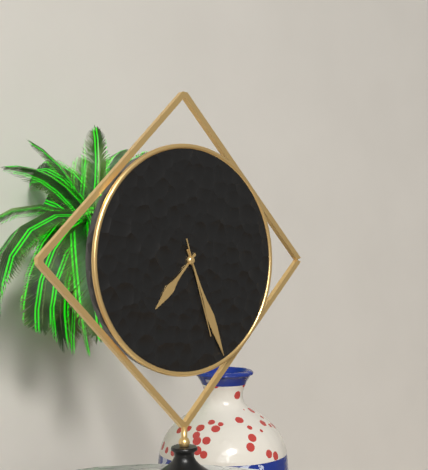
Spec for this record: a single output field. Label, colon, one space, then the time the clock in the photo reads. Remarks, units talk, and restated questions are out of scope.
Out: 7:26:27
